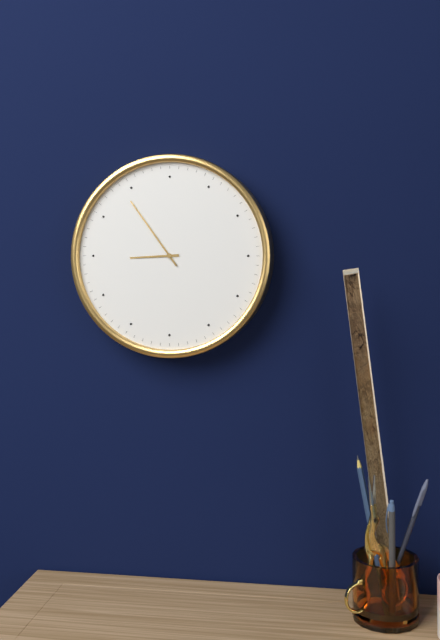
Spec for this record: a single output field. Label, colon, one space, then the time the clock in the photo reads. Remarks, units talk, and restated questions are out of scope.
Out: 8:54
